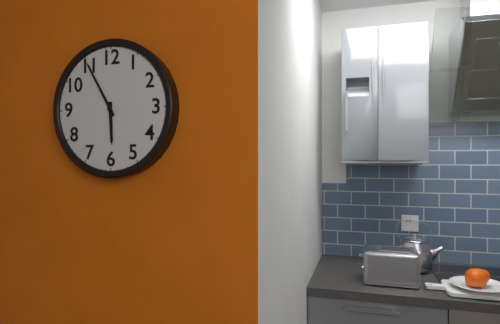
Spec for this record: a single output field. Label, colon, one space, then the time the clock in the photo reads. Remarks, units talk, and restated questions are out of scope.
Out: 5:55
